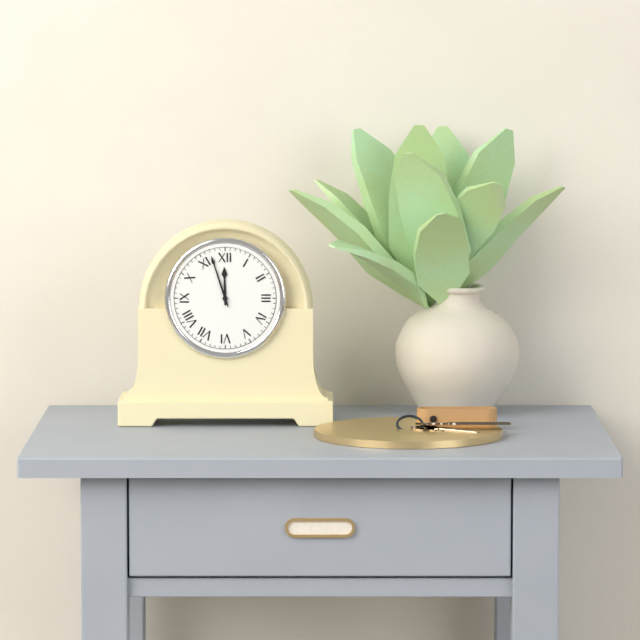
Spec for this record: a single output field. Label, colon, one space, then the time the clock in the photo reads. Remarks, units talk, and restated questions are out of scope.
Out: 11:57
